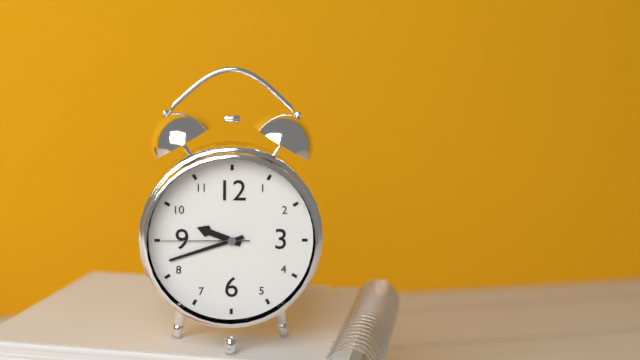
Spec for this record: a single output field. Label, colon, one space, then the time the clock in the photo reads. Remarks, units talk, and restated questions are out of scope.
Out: 9:42:45
